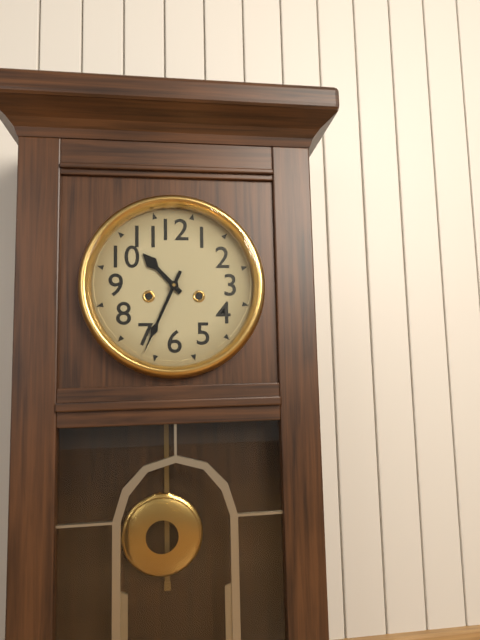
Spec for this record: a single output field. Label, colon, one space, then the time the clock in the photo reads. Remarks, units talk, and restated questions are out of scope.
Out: 10:34
